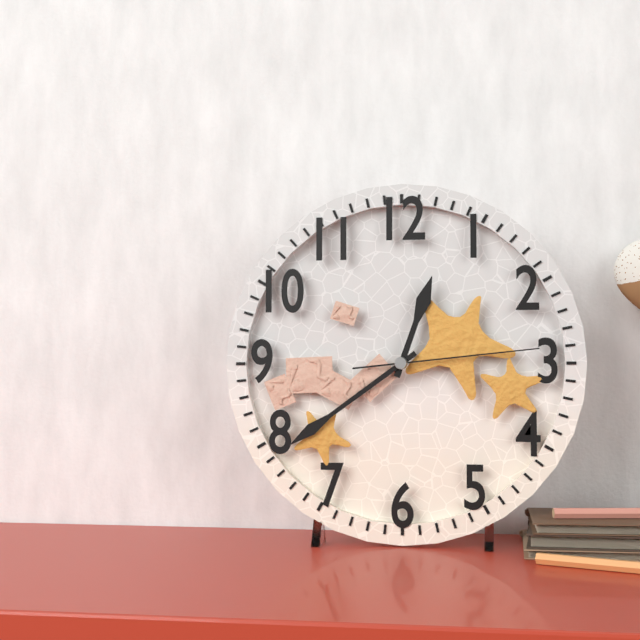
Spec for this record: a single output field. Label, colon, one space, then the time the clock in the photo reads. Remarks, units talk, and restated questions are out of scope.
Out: 12:39:14
